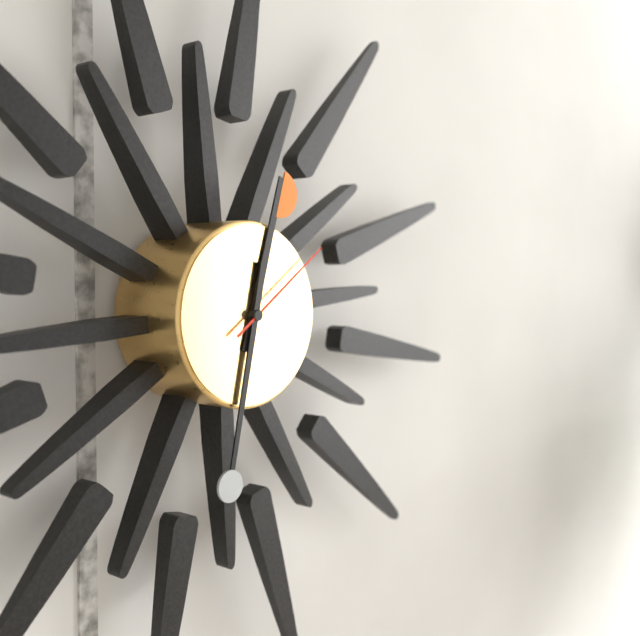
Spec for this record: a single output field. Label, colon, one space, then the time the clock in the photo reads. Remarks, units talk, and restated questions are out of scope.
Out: 12:32:09
